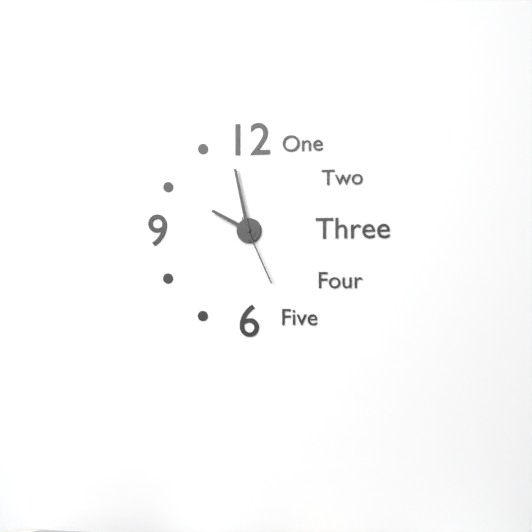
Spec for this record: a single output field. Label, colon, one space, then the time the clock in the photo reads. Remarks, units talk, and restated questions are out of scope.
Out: 9:58:26
